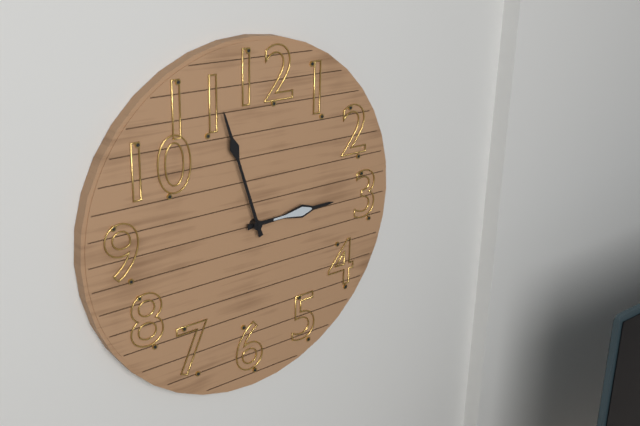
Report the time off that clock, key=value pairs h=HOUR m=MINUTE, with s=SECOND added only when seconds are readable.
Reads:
h=2 m=57
